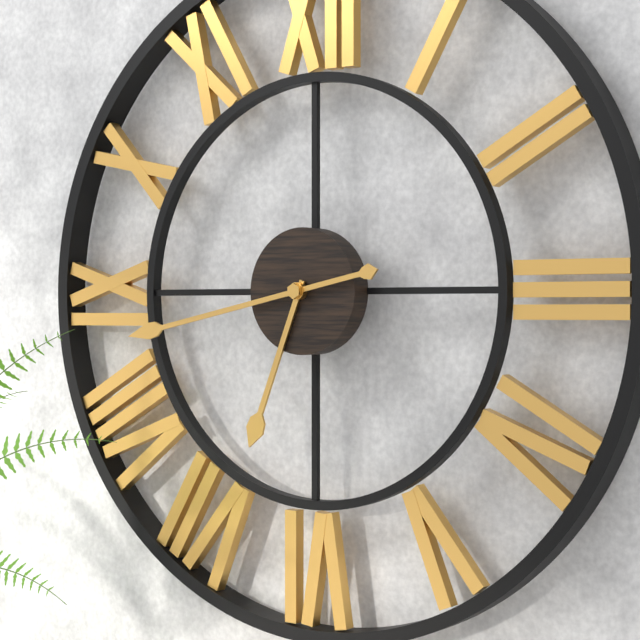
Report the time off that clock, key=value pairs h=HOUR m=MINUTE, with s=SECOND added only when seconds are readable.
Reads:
h=6 m=43
